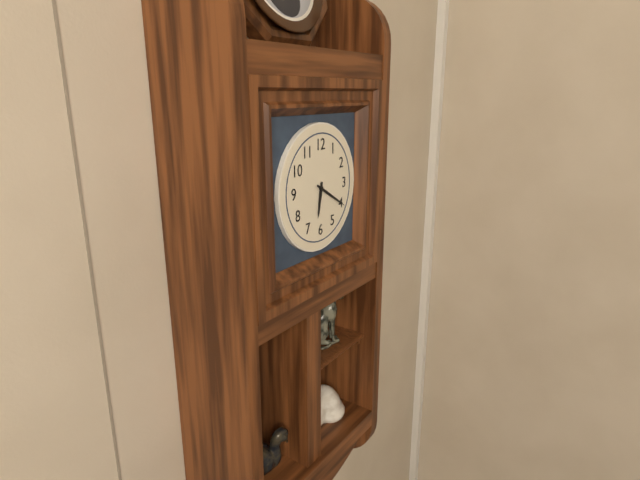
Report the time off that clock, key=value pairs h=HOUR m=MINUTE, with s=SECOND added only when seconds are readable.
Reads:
h=6 m=20
